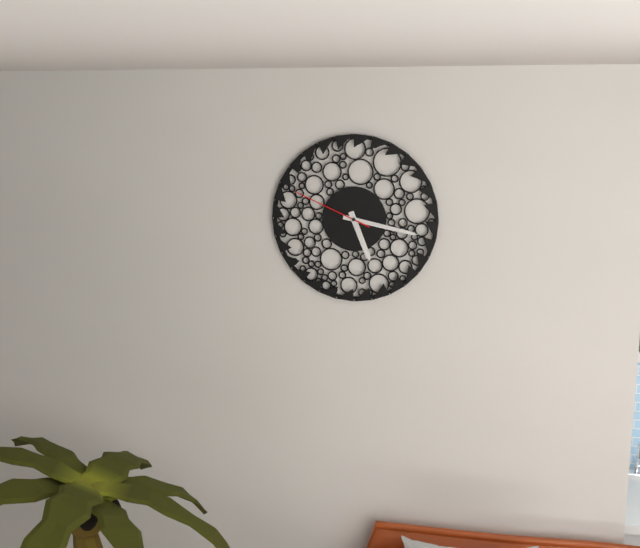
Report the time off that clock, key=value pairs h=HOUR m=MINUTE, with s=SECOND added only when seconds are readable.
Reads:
h=5 m=17 s=49
